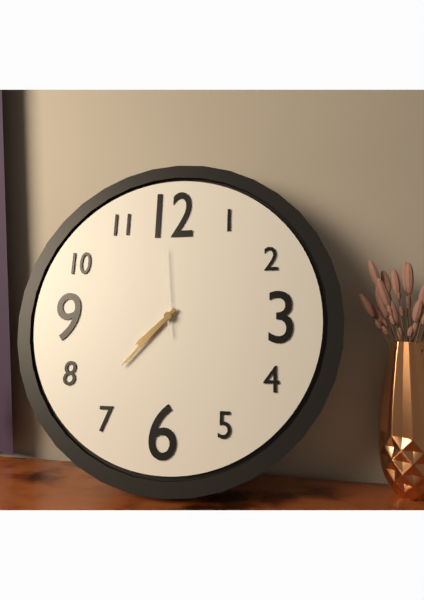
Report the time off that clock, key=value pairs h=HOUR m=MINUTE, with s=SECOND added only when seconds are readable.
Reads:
h=7 m=37 s=59
